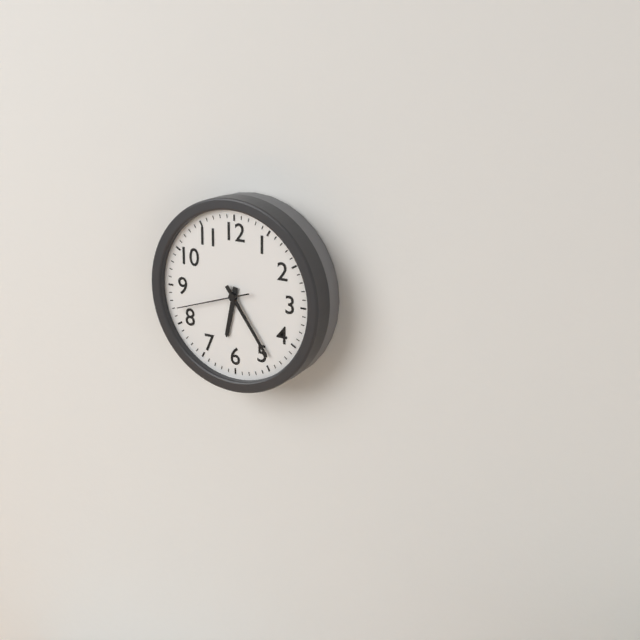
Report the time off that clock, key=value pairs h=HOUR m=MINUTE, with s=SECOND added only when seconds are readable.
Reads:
h=6 m=24 s=42
